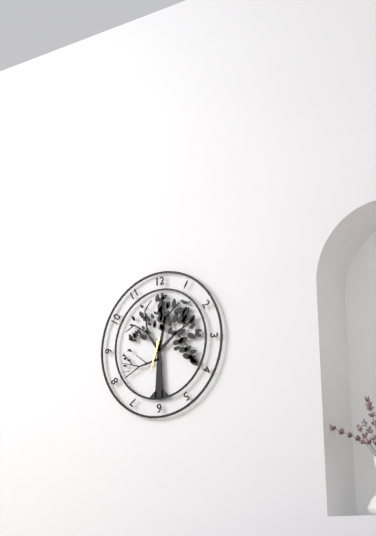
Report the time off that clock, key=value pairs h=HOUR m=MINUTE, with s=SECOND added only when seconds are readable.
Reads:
h=6 m=33
